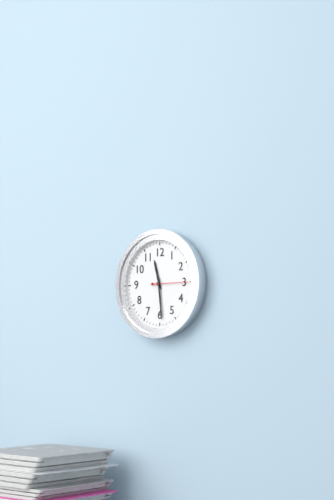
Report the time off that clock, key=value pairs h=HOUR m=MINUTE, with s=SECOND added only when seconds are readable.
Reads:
h=11 m=29
